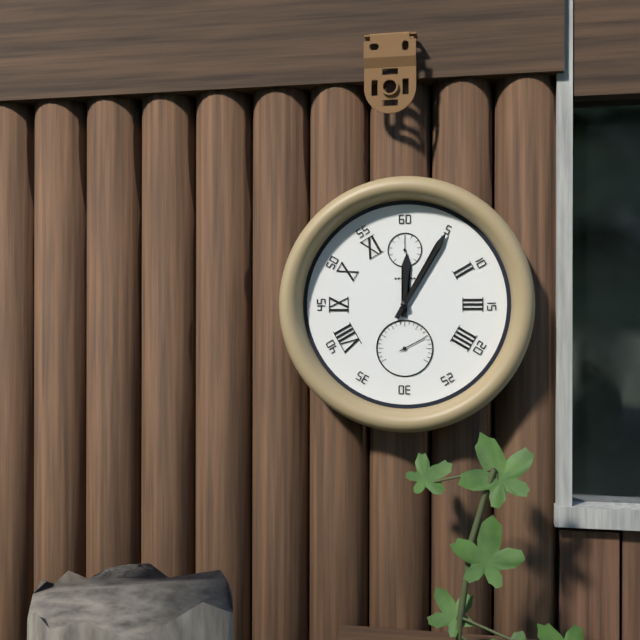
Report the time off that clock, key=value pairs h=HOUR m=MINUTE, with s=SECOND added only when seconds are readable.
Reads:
h=12 m=5
